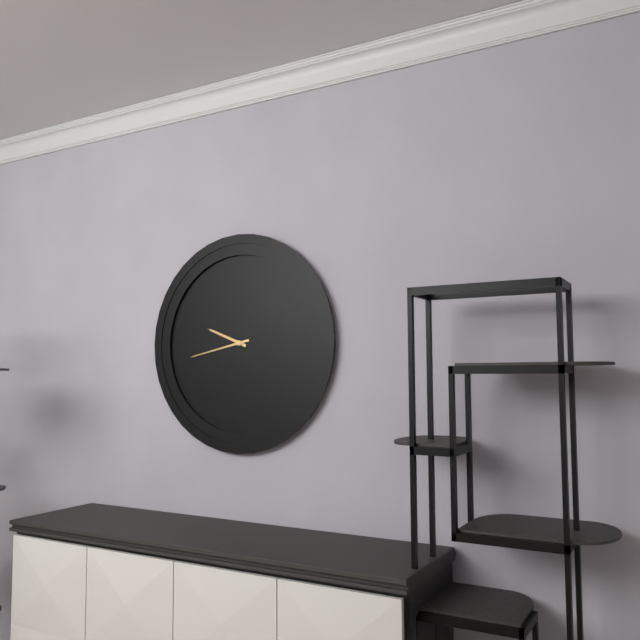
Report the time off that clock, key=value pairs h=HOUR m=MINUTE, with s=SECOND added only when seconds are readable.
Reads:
h=9 m=43
